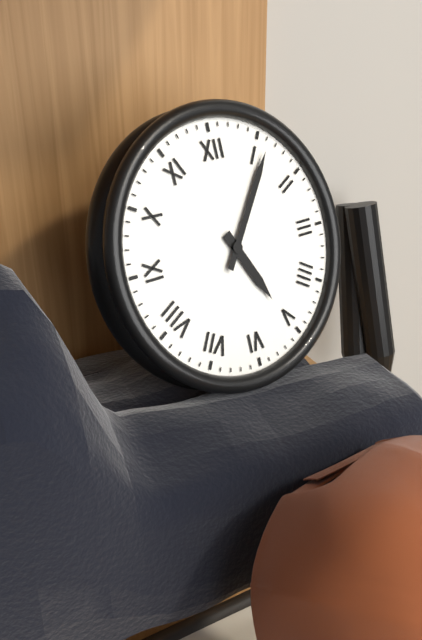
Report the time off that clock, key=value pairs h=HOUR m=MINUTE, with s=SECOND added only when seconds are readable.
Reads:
h=5 m=6
